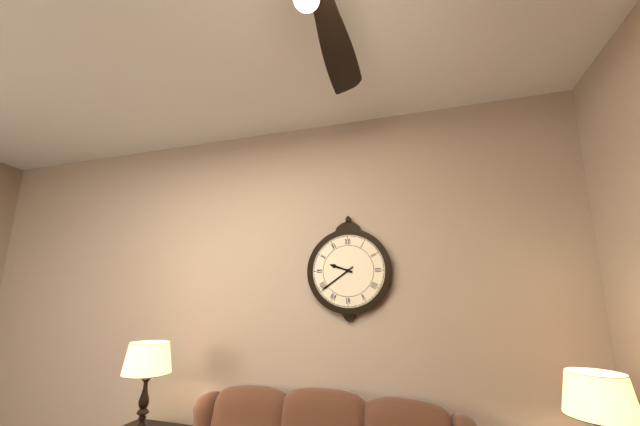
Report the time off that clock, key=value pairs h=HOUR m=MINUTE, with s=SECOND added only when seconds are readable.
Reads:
h=9 m=39
